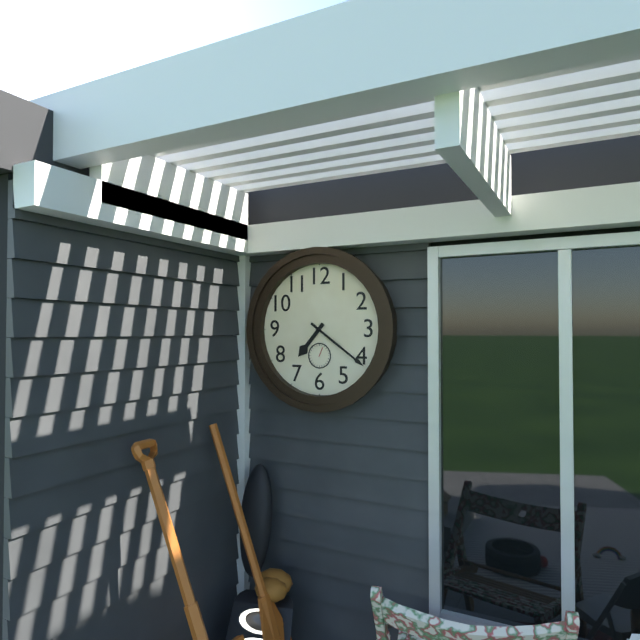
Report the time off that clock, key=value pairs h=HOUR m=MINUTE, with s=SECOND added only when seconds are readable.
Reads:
h=7 m=21
